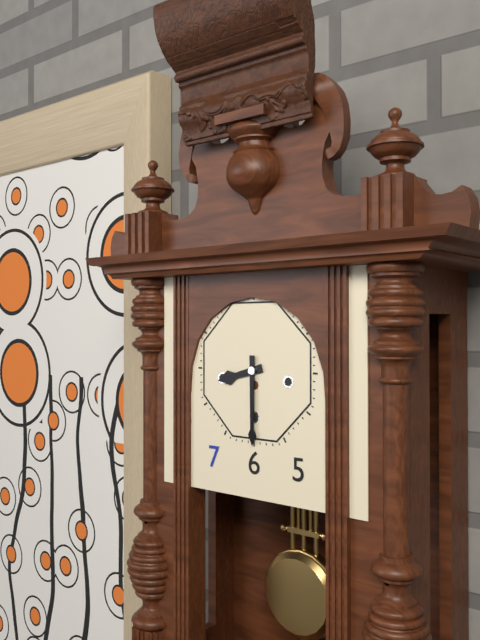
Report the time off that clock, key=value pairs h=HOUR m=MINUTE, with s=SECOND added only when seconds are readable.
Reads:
h=8 m=30
